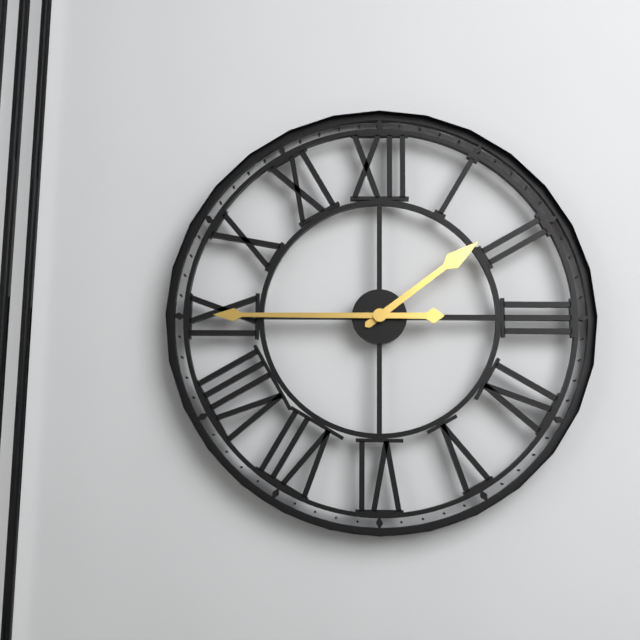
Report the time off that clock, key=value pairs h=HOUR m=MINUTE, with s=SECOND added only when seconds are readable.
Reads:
h=1 m=45
